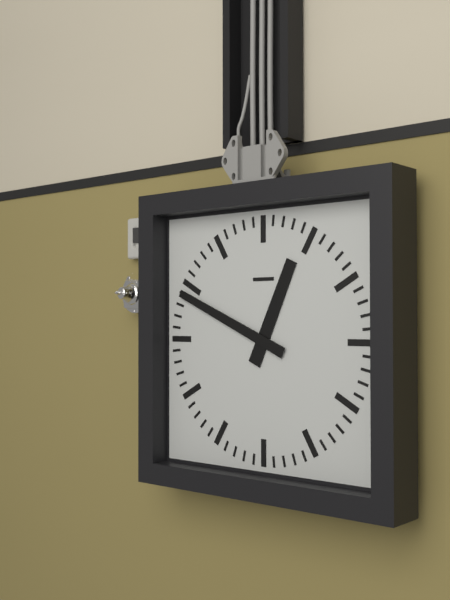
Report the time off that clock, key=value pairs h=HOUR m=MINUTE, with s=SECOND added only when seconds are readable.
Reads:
h=12 m=49
